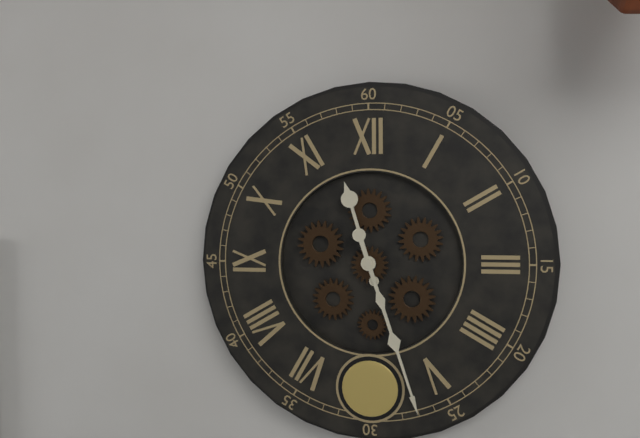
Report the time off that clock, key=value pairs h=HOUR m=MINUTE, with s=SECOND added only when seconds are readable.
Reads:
h=11 m=27
